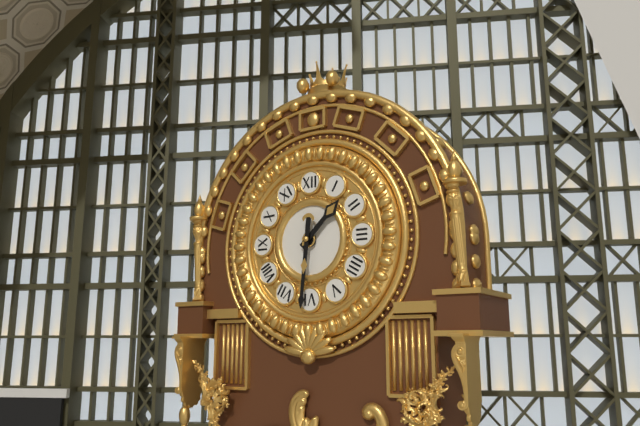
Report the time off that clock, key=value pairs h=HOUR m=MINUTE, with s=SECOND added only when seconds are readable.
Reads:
h=1 m=31
